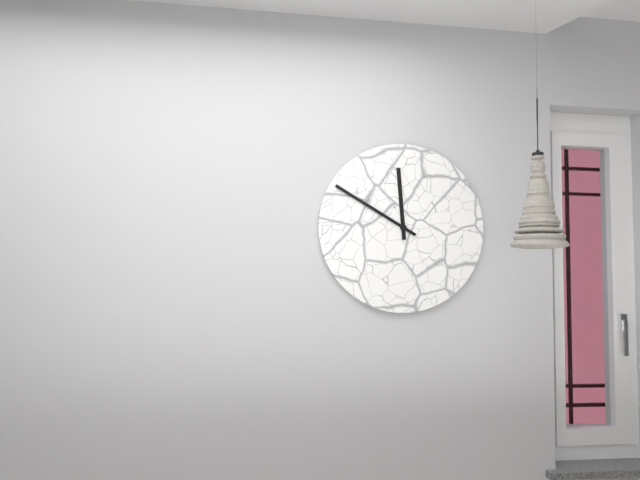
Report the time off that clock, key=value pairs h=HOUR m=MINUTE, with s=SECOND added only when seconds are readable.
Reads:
h=11 m=50
